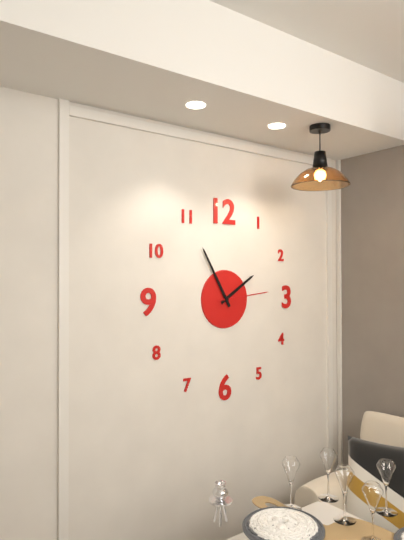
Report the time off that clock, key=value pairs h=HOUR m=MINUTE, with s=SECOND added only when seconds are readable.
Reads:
h=1 m=55 s=14
